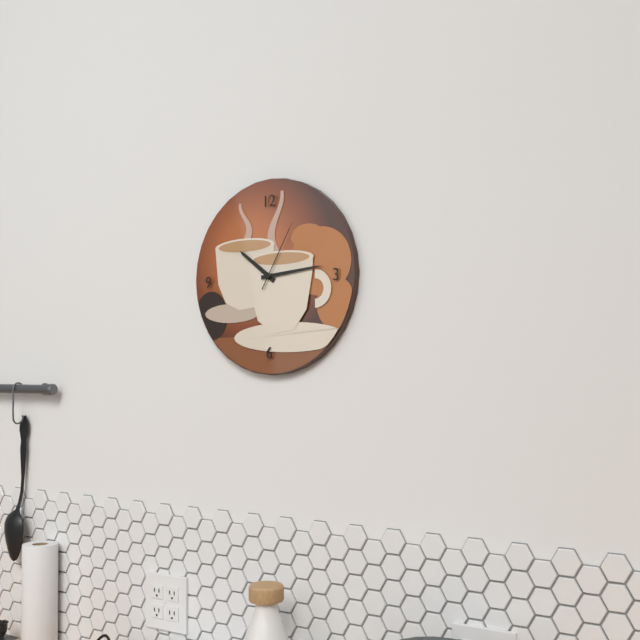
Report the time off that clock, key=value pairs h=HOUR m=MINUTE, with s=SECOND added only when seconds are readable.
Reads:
h=10 m=14 s=5
